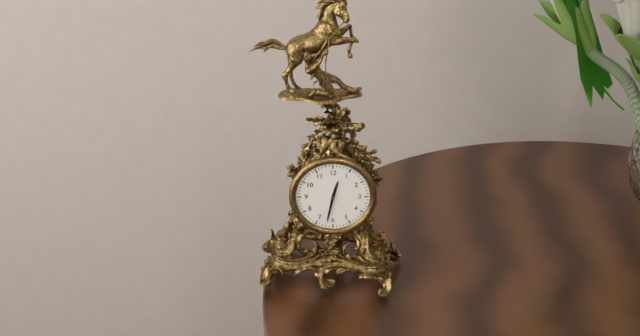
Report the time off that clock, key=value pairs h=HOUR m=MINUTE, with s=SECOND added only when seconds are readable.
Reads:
h=12 m=32
